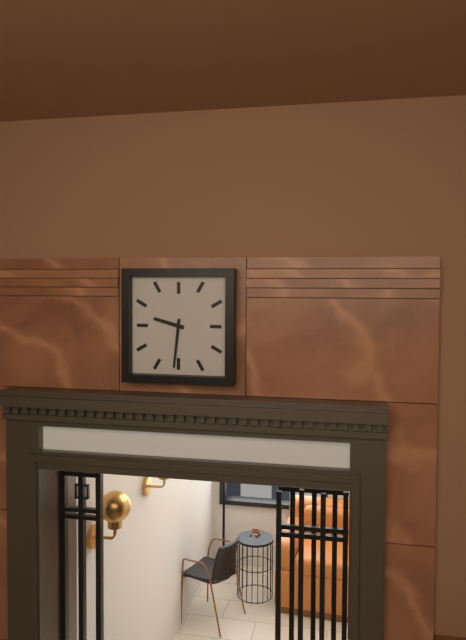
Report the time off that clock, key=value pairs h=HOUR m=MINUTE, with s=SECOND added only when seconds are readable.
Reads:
h=9 m=31
